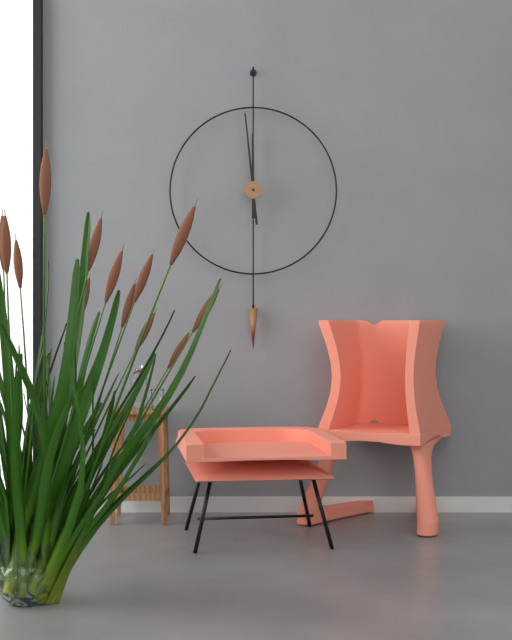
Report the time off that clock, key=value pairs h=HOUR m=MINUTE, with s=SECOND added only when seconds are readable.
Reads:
h=11 m=59
